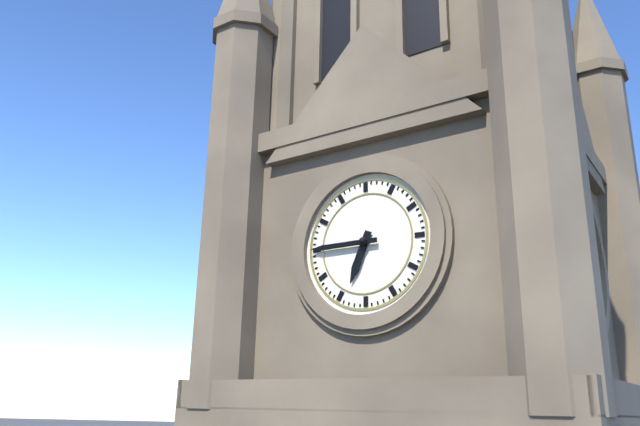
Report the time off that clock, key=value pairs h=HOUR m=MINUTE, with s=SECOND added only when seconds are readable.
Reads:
h=6 m=45
